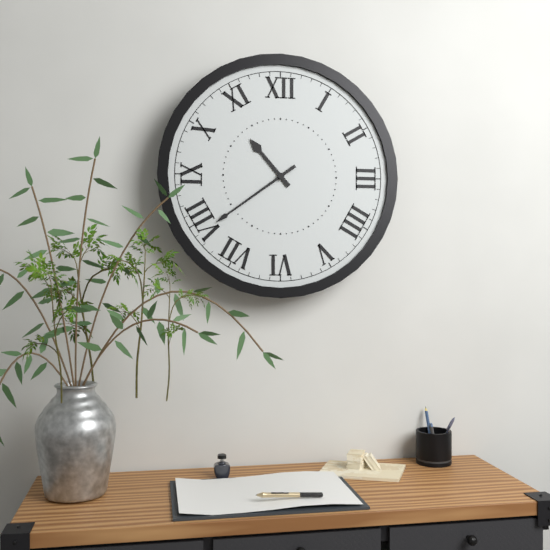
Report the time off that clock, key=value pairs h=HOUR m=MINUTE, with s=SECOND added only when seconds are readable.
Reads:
h=10 m=39
